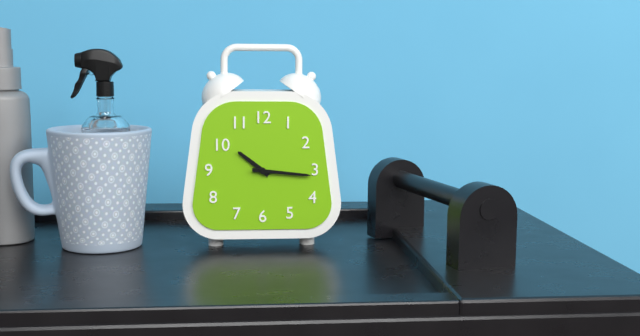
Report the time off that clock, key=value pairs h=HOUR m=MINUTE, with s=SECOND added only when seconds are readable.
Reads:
h=10 m=16
